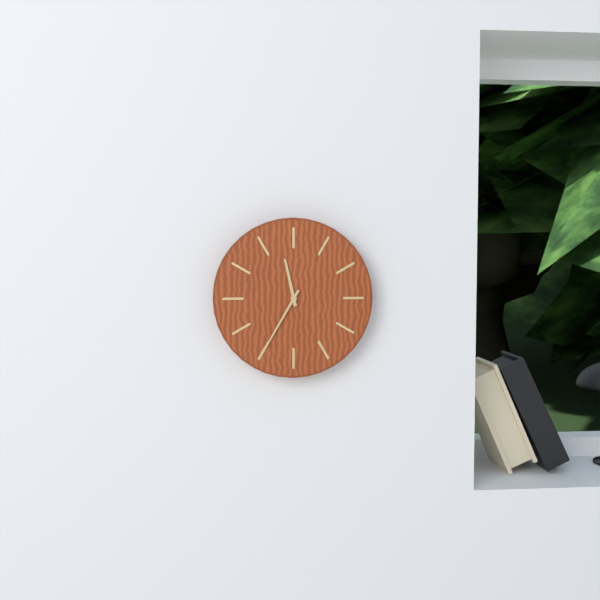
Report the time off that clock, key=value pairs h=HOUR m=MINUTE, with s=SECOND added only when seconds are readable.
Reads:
h=11 m=35
